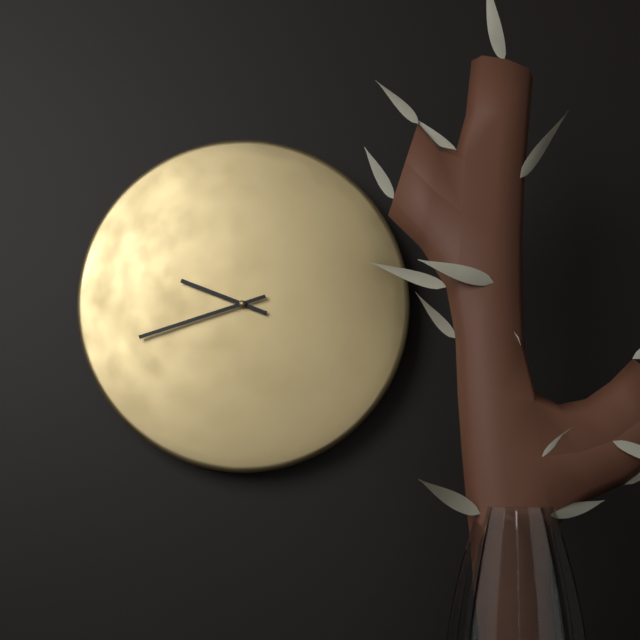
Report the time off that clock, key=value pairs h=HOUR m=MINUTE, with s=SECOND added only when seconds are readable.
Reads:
h=9 m=42
